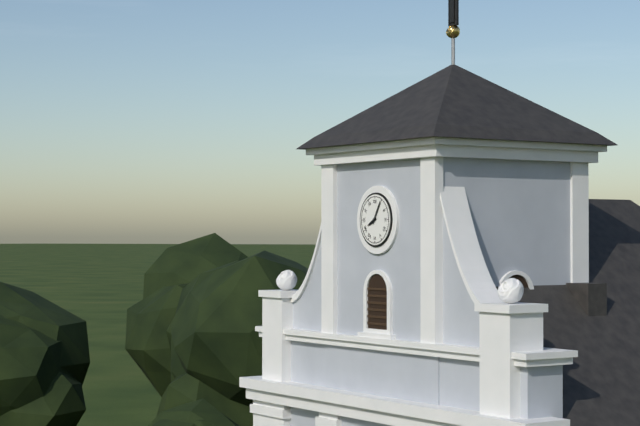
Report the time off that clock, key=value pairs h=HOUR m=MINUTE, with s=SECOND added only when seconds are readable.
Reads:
h=8 m=5
